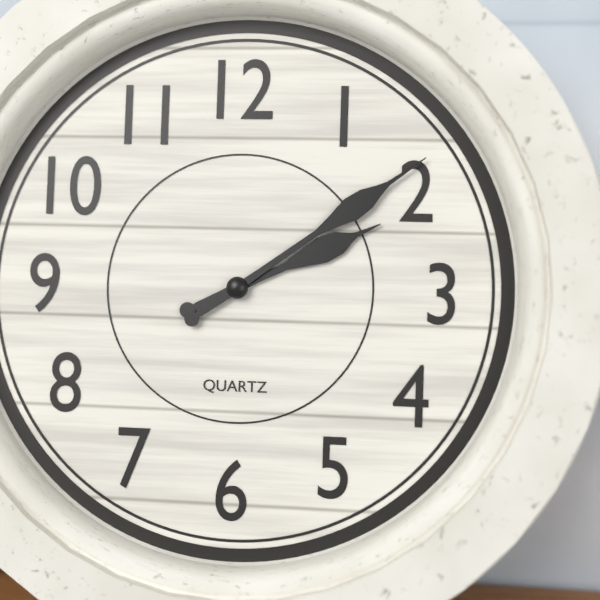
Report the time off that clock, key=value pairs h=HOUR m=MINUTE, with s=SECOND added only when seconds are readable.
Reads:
h=2 m=9
